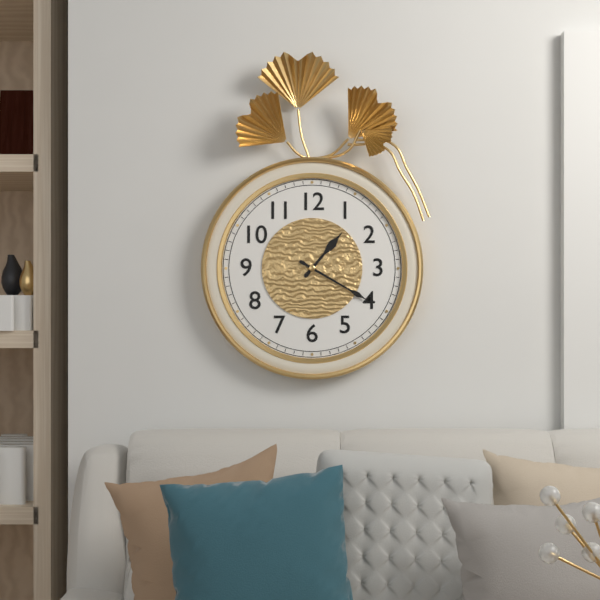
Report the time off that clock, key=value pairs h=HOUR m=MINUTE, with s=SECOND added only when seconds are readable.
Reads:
h=1 m=20
